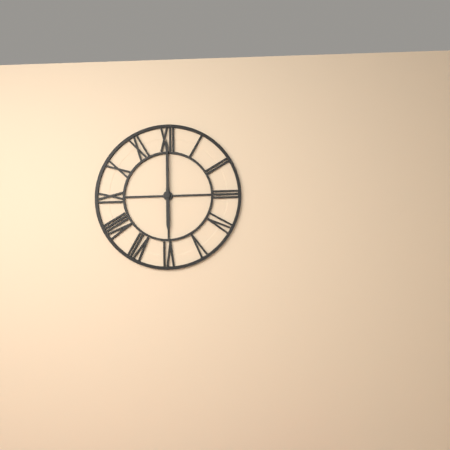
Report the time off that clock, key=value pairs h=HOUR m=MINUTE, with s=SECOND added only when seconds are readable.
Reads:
h=6 m=0
